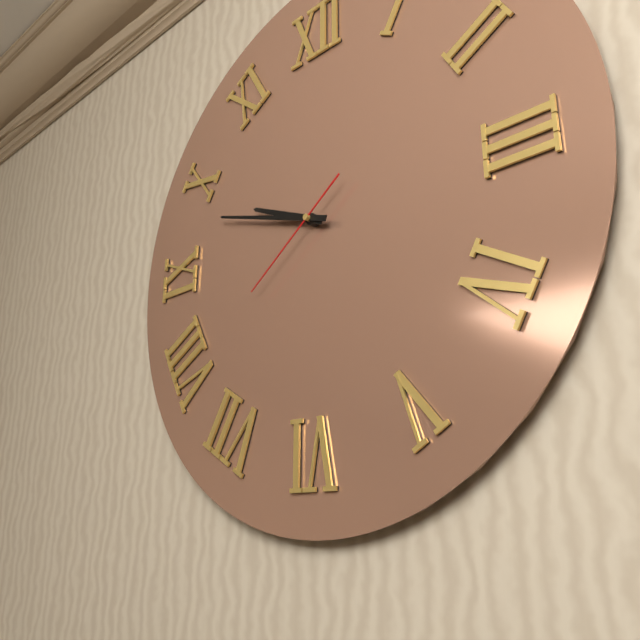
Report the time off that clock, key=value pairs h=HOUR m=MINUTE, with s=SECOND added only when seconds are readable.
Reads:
h=9 m=48 s=39
